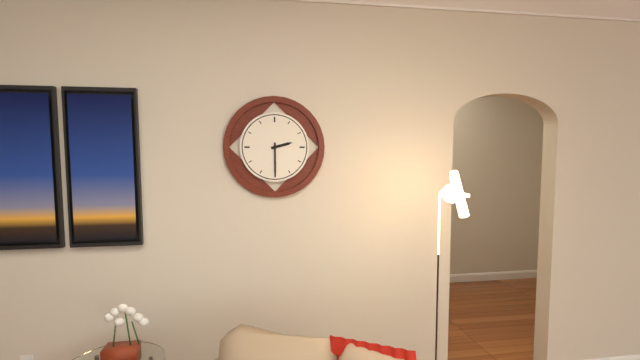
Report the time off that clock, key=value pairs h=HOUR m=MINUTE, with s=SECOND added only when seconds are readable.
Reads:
h=2 m=30
